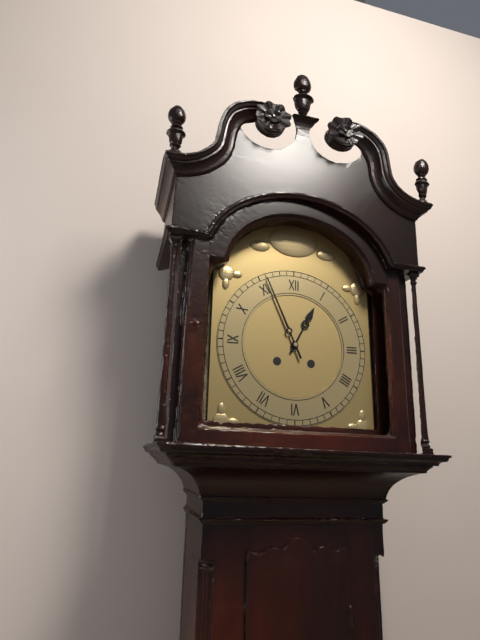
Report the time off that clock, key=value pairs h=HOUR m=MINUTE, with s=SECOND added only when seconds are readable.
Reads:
h=12 m=56
